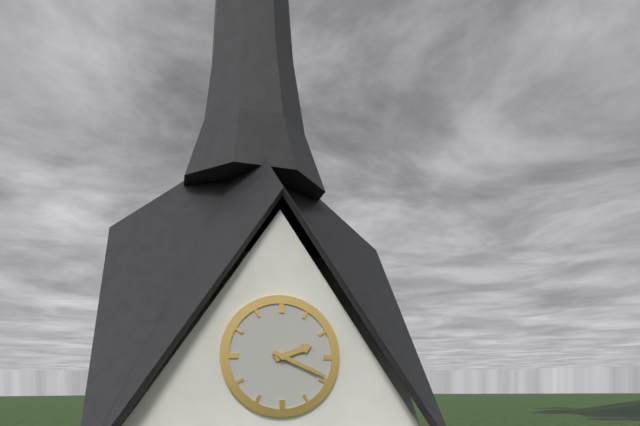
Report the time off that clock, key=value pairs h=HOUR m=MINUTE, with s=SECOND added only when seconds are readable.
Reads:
h=2 m=19
